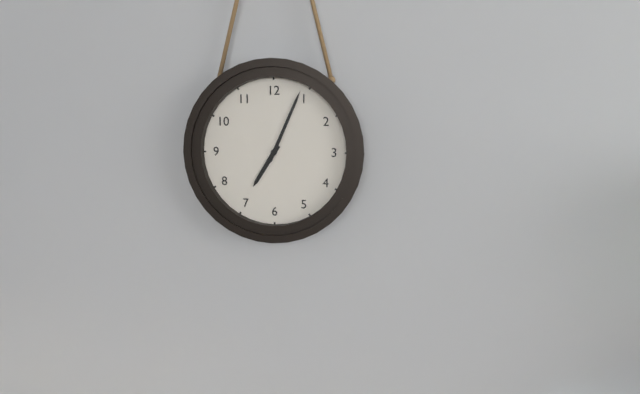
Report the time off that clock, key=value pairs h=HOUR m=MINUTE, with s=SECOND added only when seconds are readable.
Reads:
h=7 m=4
